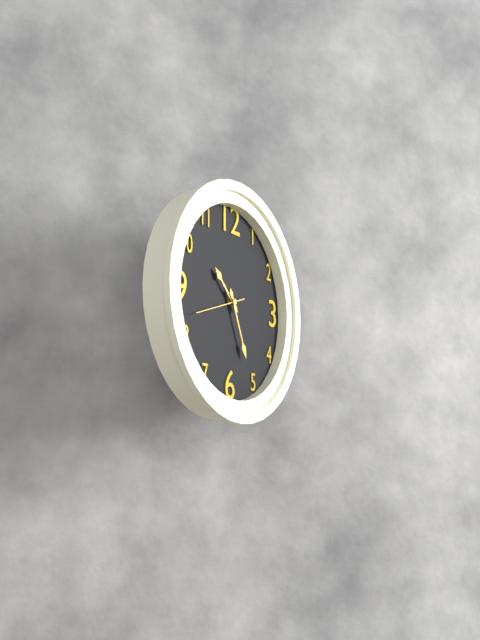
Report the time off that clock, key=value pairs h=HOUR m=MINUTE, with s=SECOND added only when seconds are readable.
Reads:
h=10 m=26
